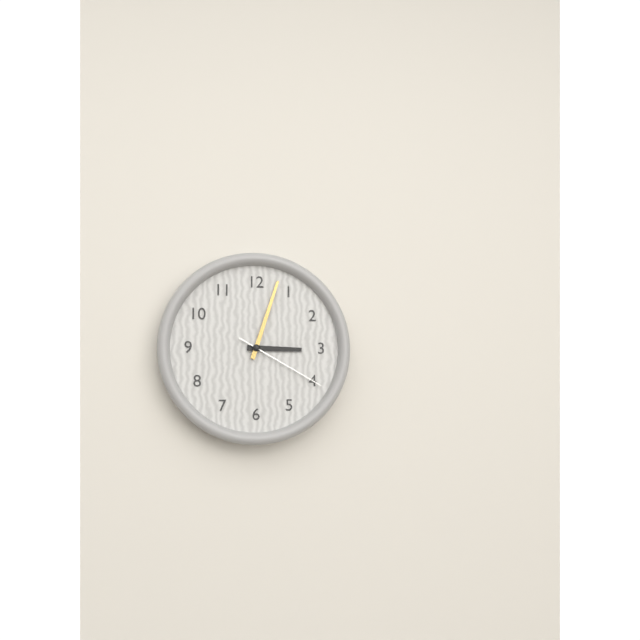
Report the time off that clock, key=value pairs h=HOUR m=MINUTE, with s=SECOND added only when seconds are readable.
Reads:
h=3 m=3 s=20
